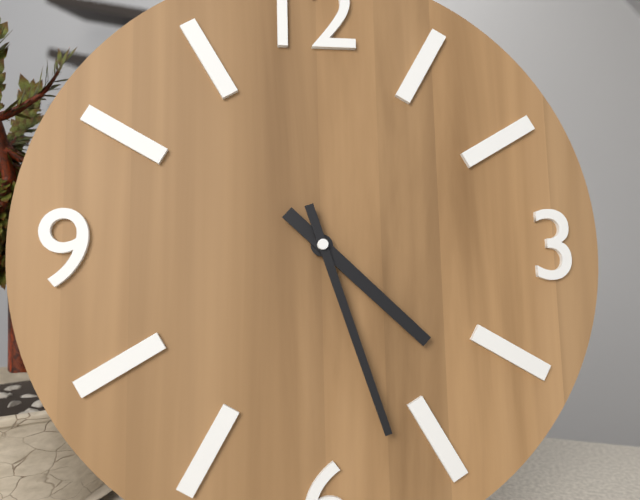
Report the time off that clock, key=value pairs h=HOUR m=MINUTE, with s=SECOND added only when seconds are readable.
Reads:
h=4 m=27
